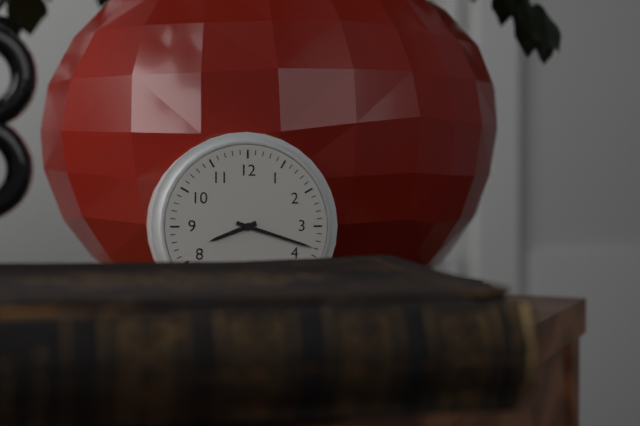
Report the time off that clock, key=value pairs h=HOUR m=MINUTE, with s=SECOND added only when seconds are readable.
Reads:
h=8 m=18
